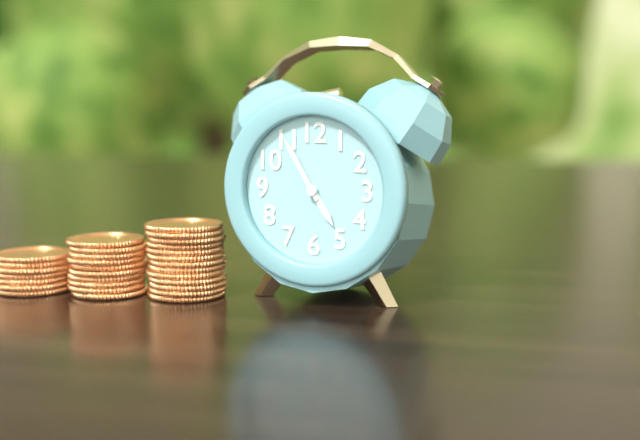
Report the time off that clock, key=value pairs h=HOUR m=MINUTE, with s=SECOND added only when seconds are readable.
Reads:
h=4 m=55
